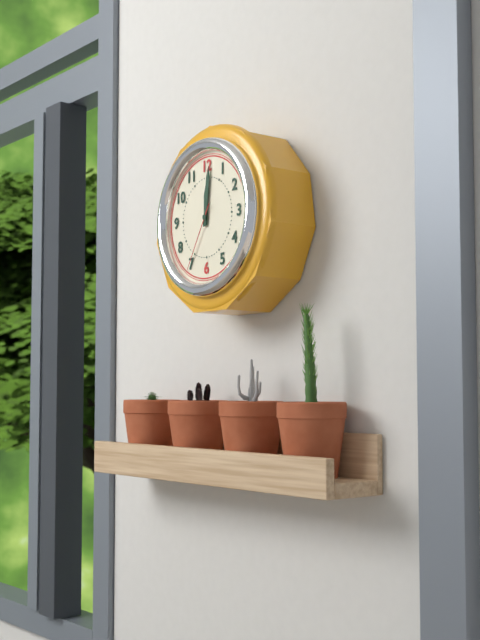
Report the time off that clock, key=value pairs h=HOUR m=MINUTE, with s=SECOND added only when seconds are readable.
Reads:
h=12 m=1 s=35
